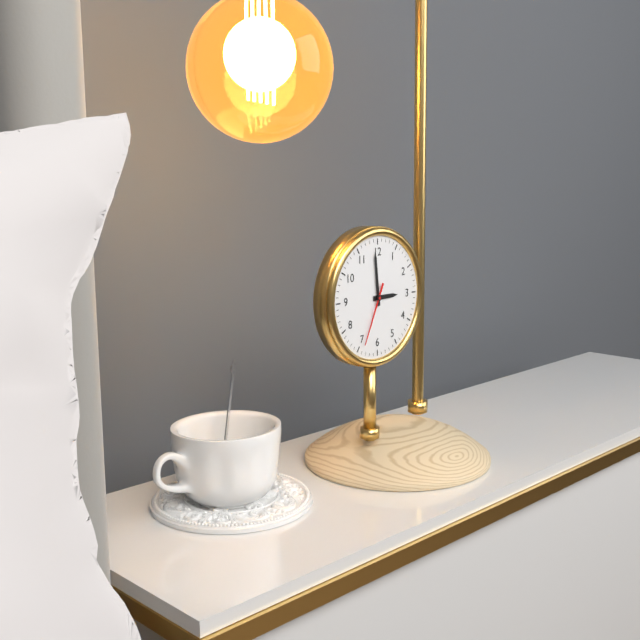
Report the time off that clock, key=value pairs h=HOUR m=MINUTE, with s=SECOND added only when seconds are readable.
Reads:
h=2 m=59 s=34
